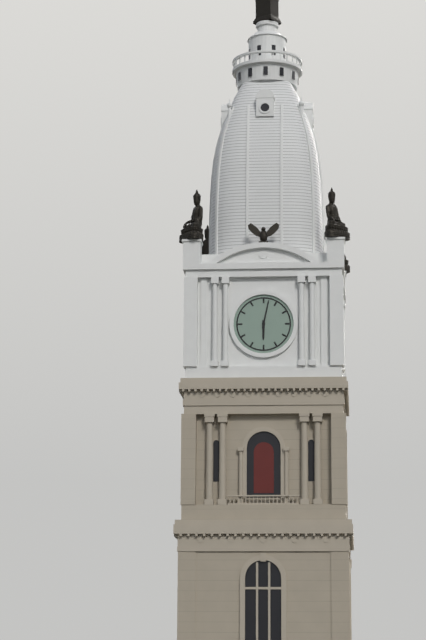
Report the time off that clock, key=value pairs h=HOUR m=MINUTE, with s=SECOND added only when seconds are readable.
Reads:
h=6 m=2
